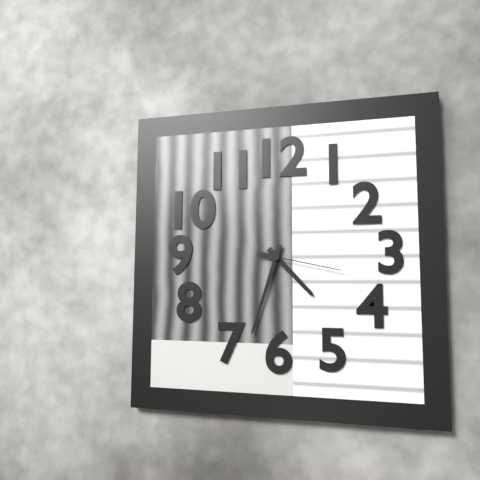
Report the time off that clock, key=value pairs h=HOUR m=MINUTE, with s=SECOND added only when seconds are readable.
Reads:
h=4 m=33 s=17
